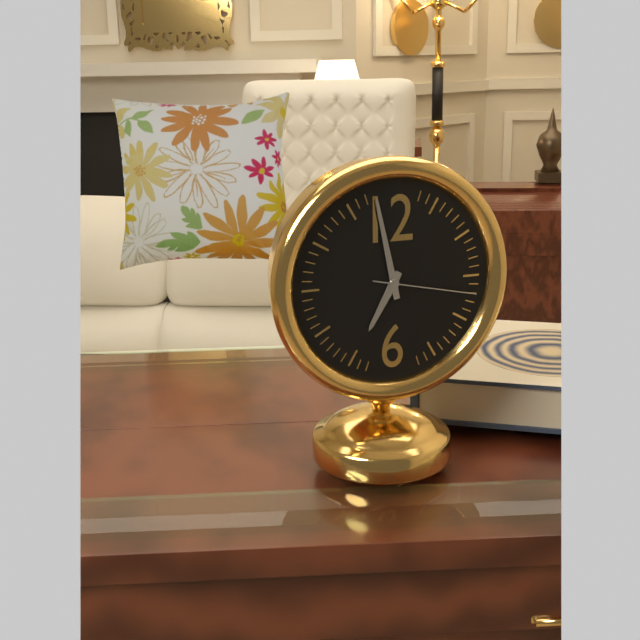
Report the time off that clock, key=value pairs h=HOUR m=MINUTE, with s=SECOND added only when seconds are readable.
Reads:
h=6 m=58 s=17
